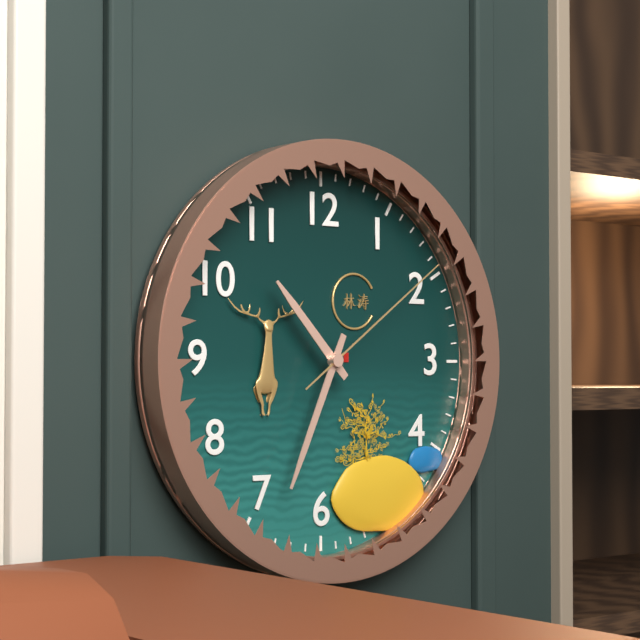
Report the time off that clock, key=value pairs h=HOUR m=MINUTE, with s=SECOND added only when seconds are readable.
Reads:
h=10 m=34 s=9
